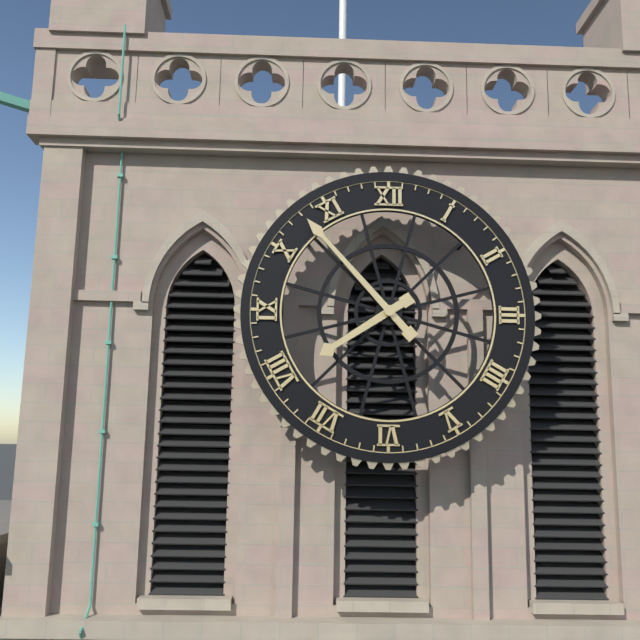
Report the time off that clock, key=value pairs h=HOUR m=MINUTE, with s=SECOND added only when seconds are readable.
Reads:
h=7 m=53
